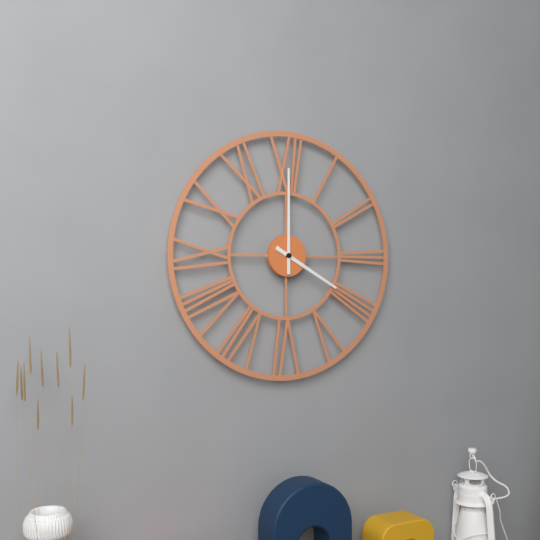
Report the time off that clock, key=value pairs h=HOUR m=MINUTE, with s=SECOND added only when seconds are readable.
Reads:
h=4 m=0
